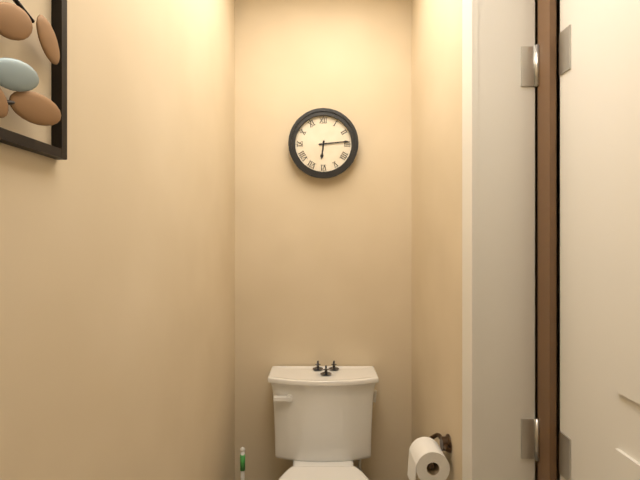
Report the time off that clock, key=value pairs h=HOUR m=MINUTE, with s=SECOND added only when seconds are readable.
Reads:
h=6 m=14
